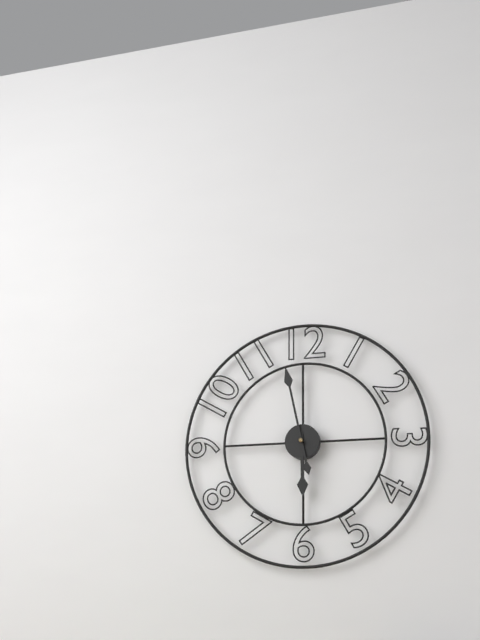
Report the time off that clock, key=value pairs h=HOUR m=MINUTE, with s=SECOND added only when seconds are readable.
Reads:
h=5 m=58
